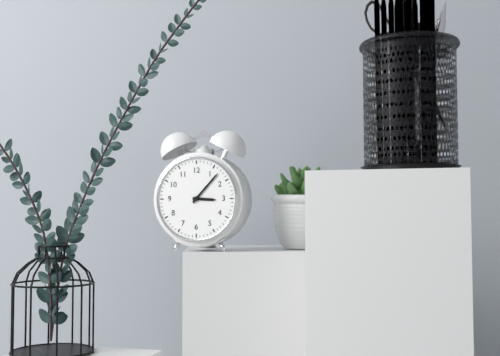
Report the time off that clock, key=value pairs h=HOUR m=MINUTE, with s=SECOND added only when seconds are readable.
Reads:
h=3 m=7
